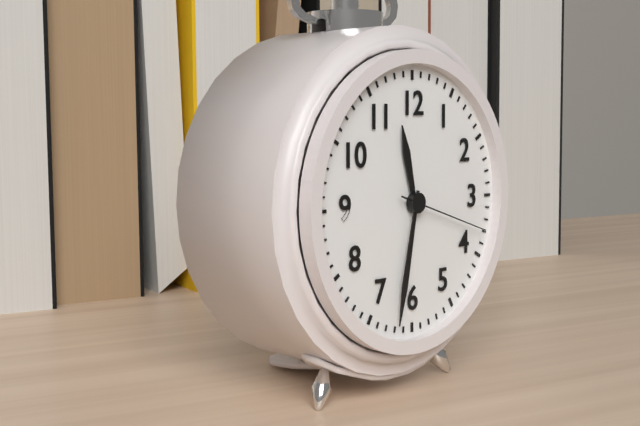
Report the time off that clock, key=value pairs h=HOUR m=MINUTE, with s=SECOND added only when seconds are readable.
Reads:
h=11 m=32 s=18
